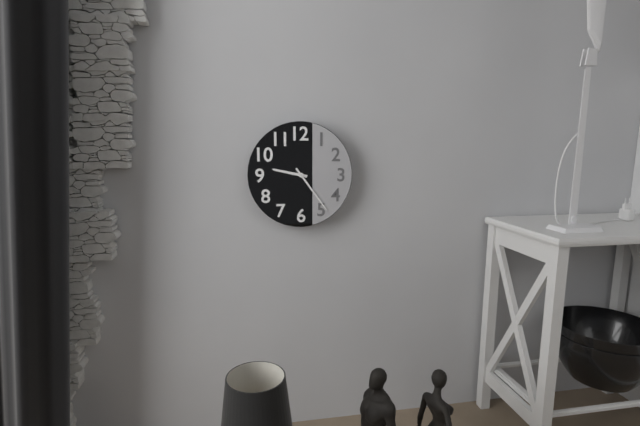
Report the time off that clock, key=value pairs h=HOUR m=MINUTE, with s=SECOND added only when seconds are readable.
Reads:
h=9 m=24
